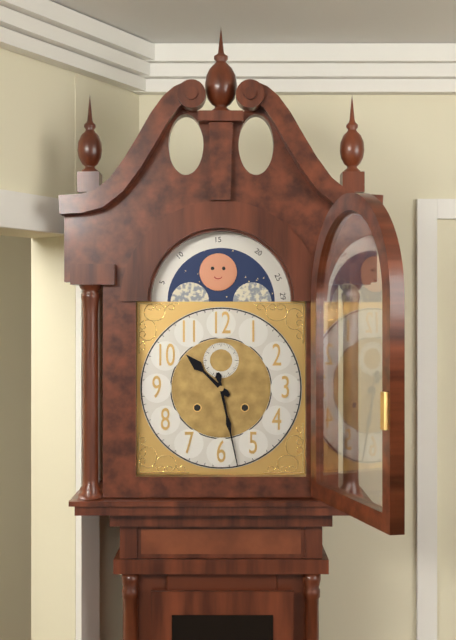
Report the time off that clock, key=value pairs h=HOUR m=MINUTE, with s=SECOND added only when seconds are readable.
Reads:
h=10 m=28
